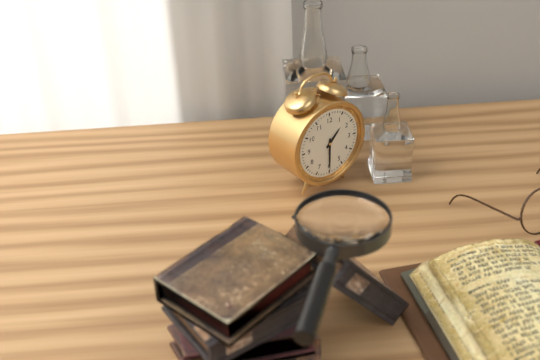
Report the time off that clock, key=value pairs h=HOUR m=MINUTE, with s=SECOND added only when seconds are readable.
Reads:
h=1 m=30
